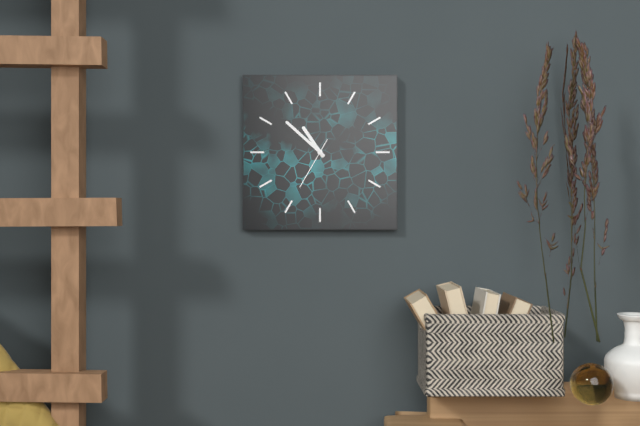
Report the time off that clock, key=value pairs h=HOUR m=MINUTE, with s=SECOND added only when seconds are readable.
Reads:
h=10 m=52 s=35
